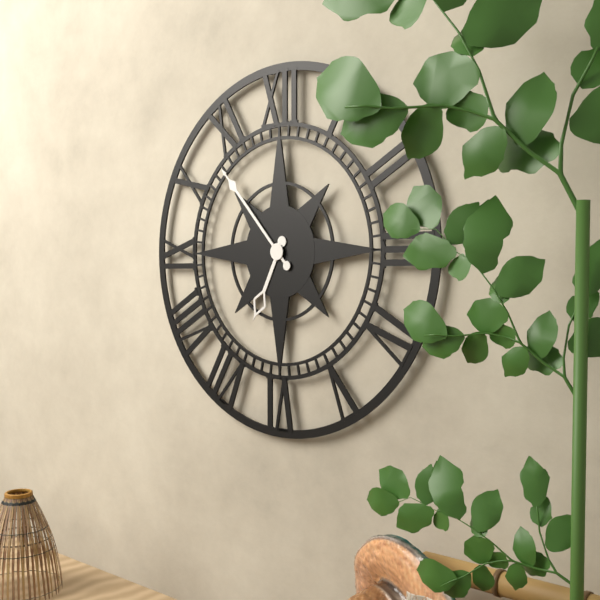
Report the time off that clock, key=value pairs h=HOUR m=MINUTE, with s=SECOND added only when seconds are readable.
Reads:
h=6 m=53
